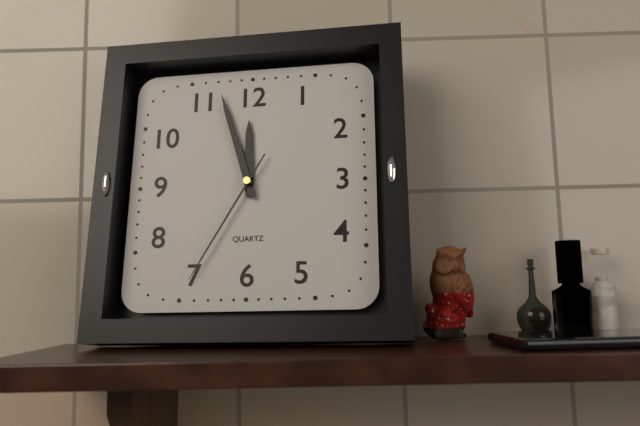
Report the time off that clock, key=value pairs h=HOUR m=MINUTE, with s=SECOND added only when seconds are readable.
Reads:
h=11 m=57 s=35
